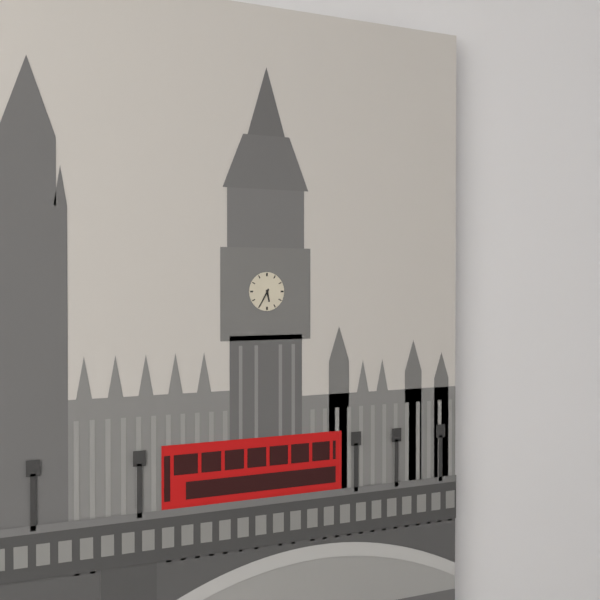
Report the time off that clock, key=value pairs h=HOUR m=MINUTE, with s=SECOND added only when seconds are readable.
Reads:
h=5 m=35
